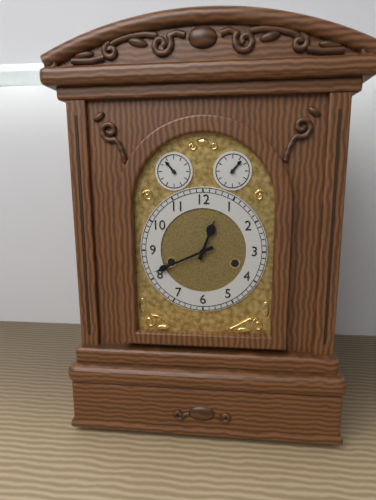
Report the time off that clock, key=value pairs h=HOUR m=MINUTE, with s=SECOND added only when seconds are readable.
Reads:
h=12 m=41
